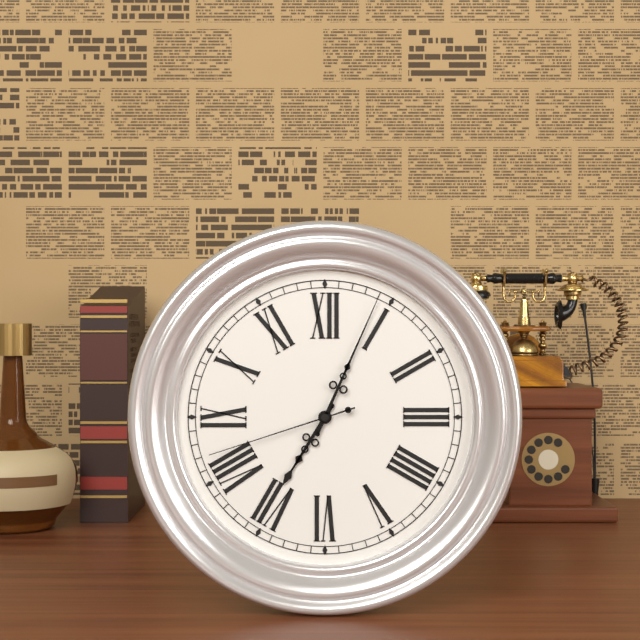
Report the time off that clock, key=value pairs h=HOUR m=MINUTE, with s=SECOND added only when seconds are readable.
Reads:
h=7 m=4 s=42
